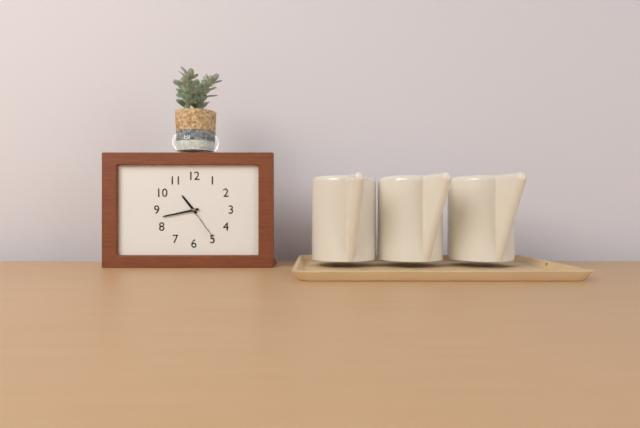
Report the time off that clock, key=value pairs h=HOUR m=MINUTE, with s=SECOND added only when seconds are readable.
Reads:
h=10 m=43
